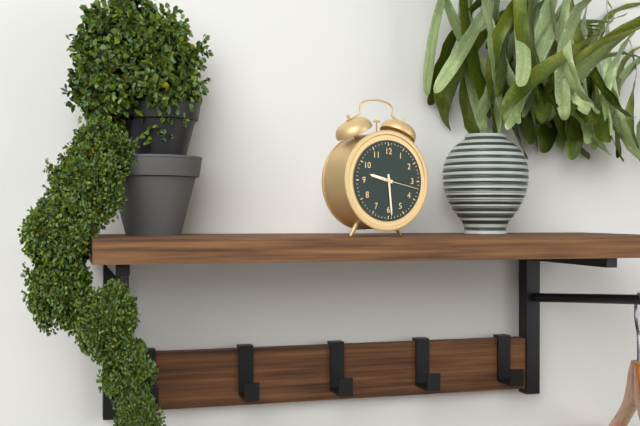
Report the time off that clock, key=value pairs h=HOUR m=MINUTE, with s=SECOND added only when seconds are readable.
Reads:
h=9 m=29
